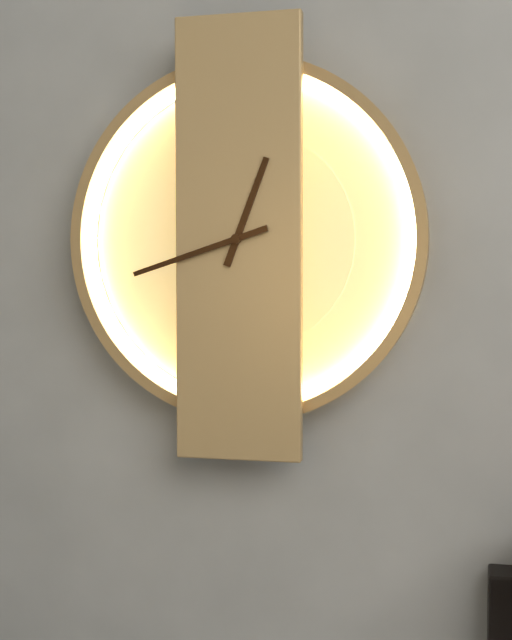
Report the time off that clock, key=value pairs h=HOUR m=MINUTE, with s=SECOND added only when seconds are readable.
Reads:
h=12 m=42
